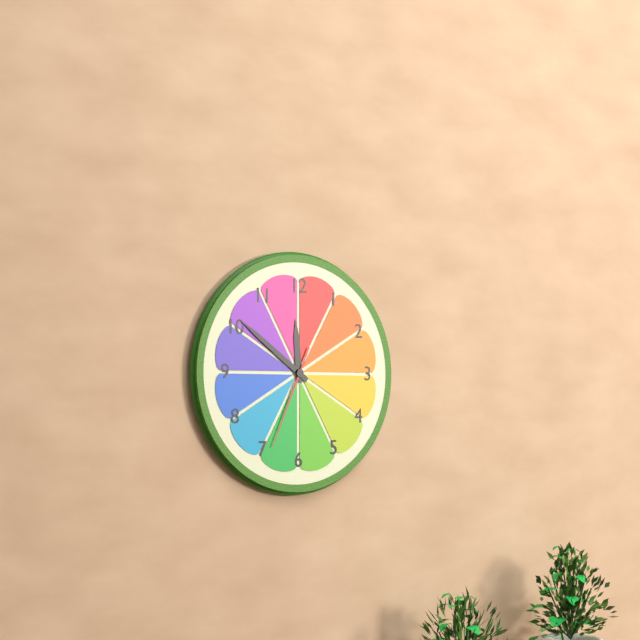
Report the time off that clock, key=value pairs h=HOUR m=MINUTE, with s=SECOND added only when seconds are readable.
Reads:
h=11 m=51 s=34
